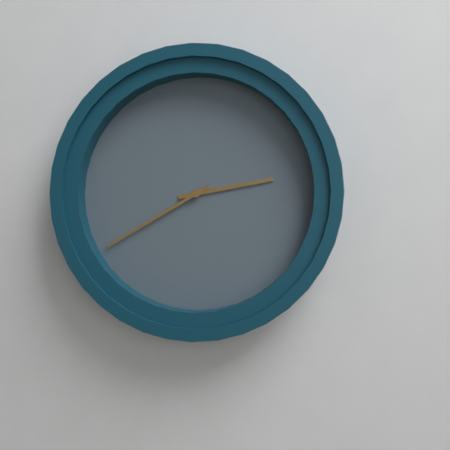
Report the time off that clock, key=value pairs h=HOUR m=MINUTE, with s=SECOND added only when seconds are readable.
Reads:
h=2 m=40
